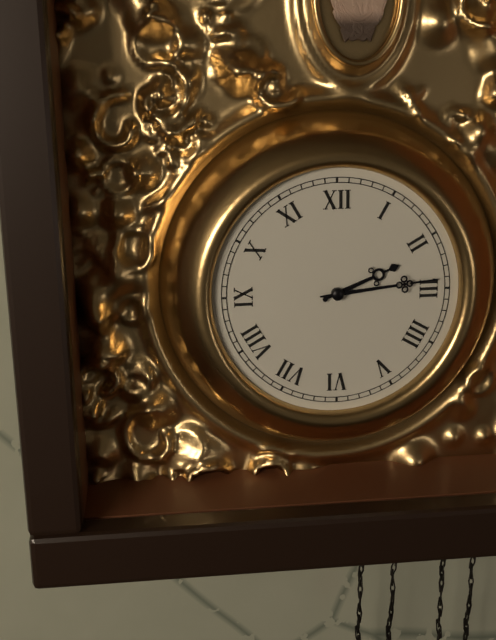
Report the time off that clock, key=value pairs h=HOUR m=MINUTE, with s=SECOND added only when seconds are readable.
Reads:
h=2 m=14
